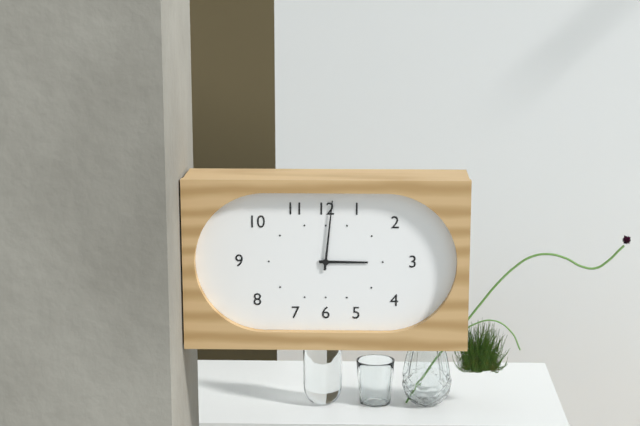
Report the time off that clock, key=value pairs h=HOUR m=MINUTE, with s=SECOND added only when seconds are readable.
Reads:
h=3 m=1
